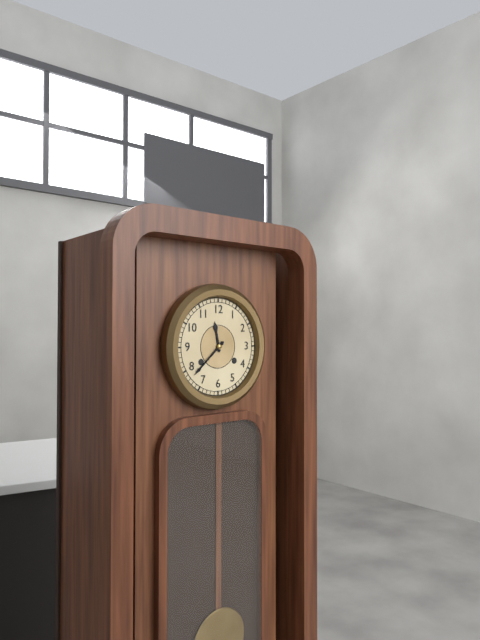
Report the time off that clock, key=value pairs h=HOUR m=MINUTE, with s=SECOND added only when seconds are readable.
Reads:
h=11 m=38
